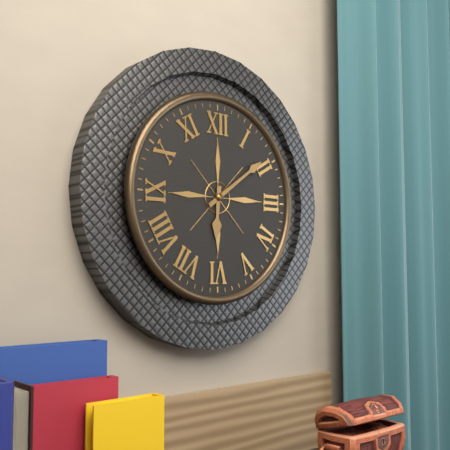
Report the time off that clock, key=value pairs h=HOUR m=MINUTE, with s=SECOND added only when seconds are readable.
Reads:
h=6 m=9
